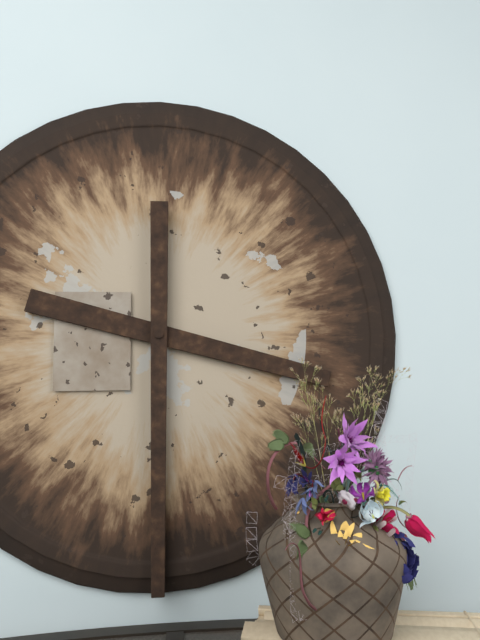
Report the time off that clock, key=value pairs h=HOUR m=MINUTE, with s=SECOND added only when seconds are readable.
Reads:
h=3 m=30
